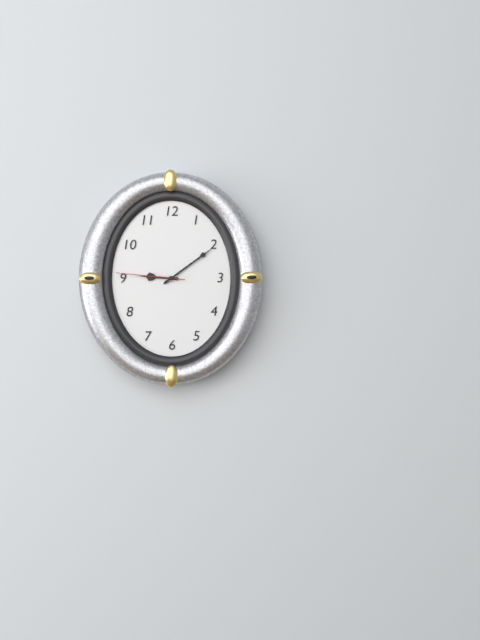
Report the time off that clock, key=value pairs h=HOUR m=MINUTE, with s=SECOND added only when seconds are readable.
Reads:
h=9 m=9 s=46
